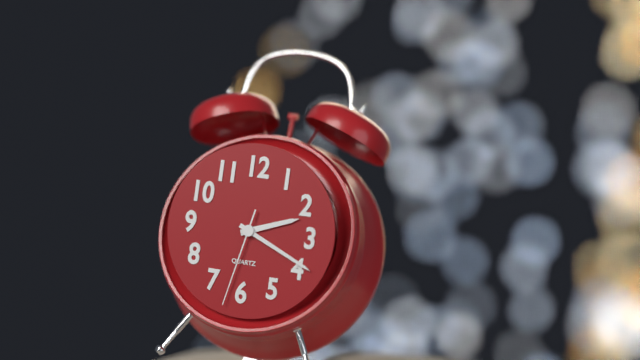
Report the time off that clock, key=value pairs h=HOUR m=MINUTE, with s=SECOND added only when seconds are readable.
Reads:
h=2 m=19 s=32
